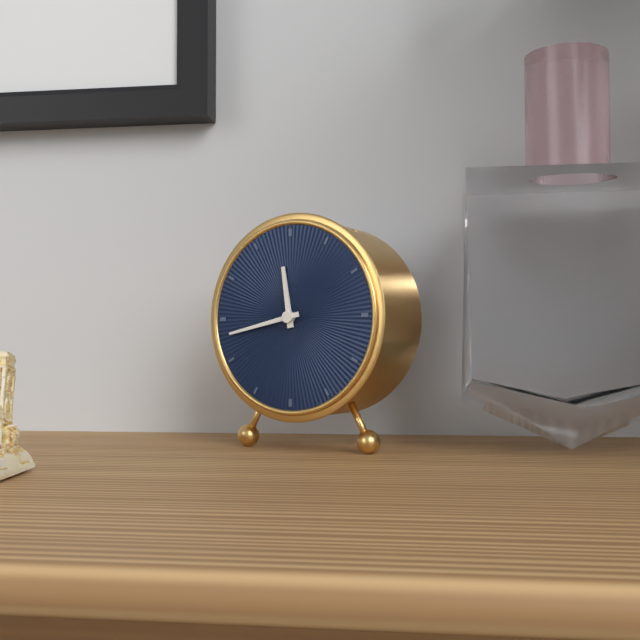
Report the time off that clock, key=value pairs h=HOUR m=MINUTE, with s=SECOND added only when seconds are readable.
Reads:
h=11 m=43
